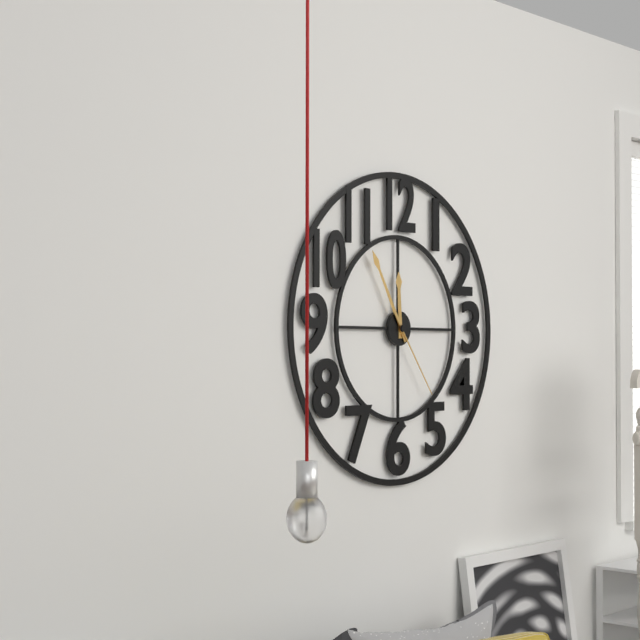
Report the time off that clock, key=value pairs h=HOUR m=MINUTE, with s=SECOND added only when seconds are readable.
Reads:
h=11 m=55 s=24
